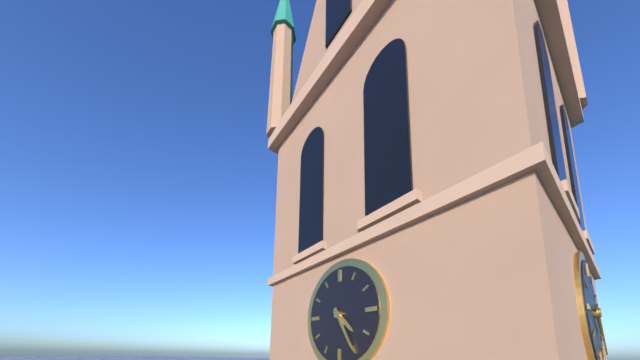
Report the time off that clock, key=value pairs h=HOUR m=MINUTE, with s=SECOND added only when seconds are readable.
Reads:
h=4 m=25
